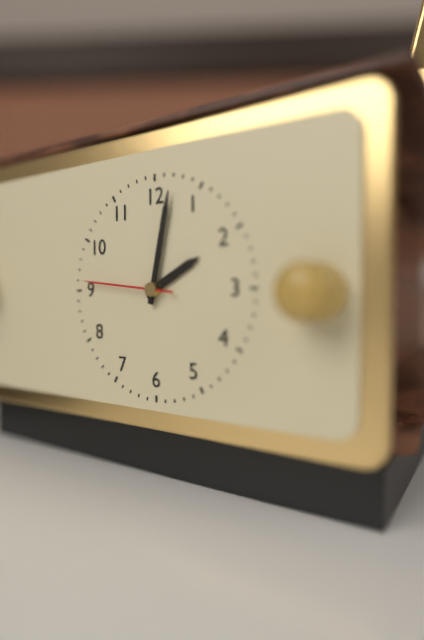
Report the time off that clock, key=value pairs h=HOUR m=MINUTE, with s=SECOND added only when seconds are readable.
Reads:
h=2 m=2 s=46
